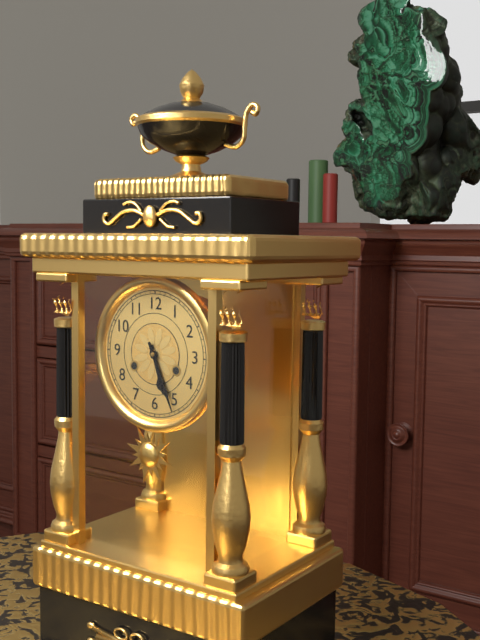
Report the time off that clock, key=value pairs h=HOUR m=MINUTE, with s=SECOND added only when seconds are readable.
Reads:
h=5 m=26
